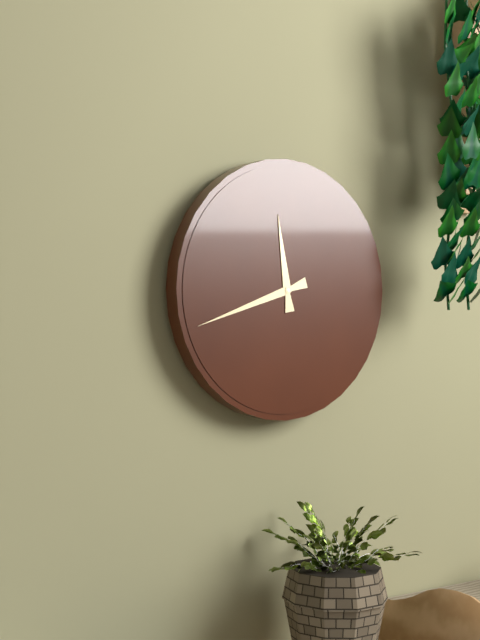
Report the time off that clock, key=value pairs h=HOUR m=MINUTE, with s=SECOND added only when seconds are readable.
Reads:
h=11 m=42
